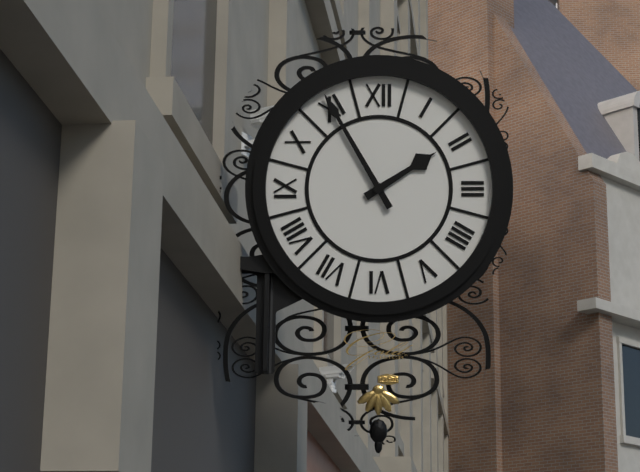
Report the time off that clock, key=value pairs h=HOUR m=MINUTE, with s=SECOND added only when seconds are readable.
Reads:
h=1 m=55
